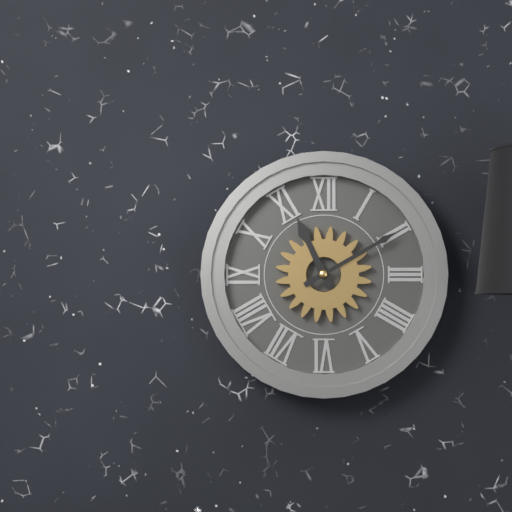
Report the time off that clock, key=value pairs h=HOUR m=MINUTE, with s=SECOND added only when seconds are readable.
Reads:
h=11 m=10
